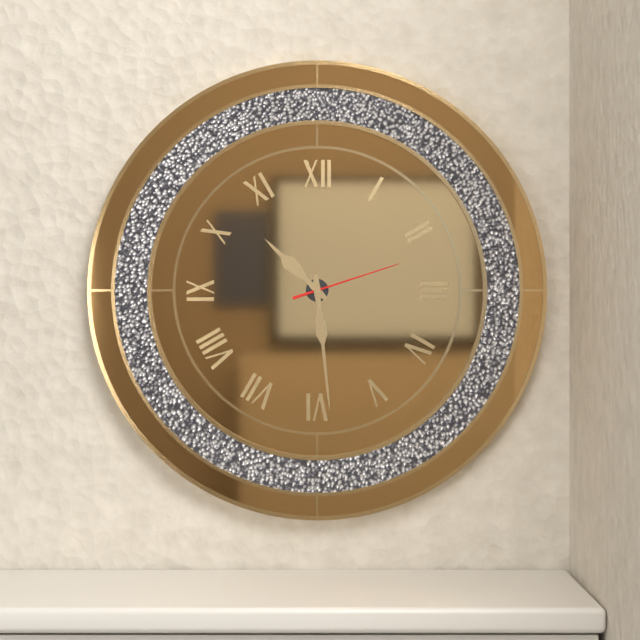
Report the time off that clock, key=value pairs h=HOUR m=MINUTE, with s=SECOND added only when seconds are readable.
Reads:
h=10 m=29 s=12
